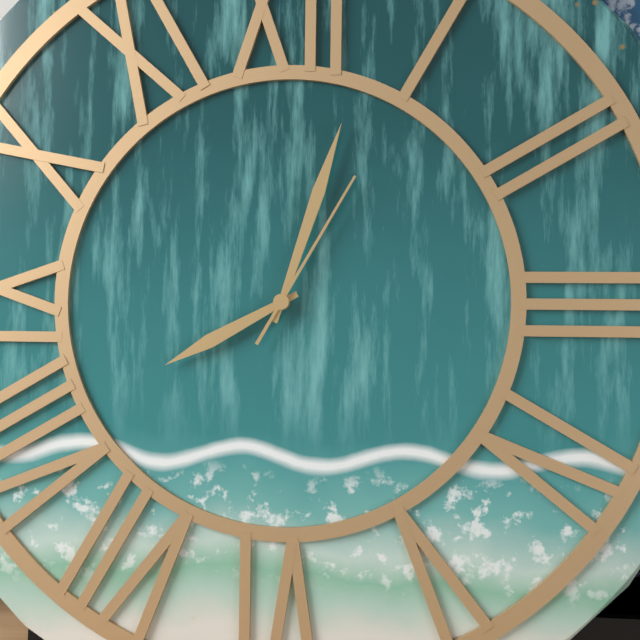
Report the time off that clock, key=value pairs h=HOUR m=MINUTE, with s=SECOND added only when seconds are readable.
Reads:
h=8 m=3 s=5
